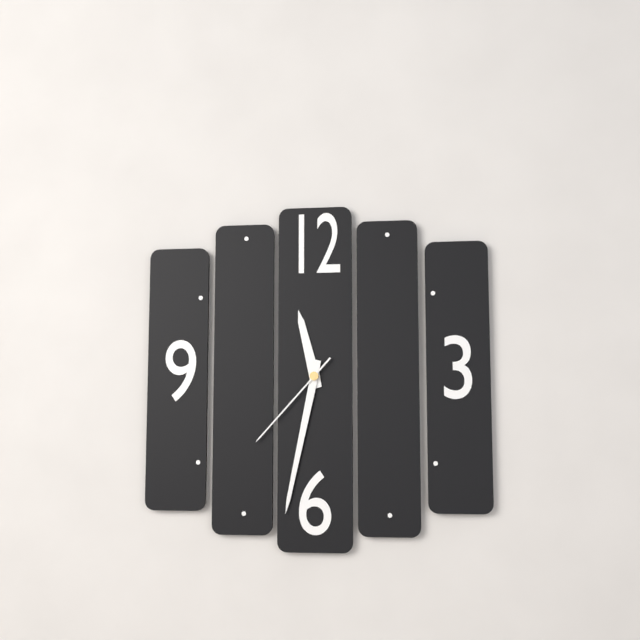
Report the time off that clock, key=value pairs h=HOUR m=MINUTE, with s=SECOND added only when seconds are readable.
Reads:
h=11 m=32 s=37
